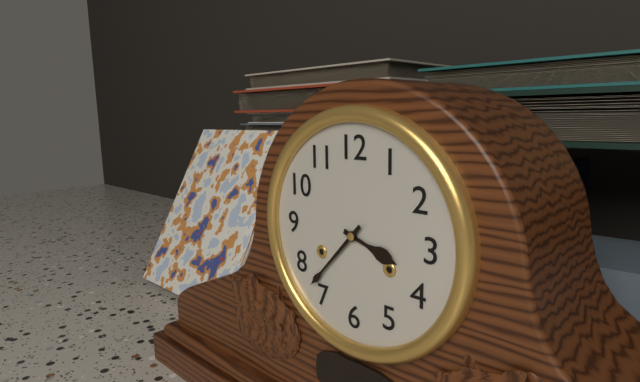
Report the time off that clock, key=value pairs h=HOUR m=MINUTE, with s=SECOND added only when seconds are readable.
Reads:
h=3 m=37
